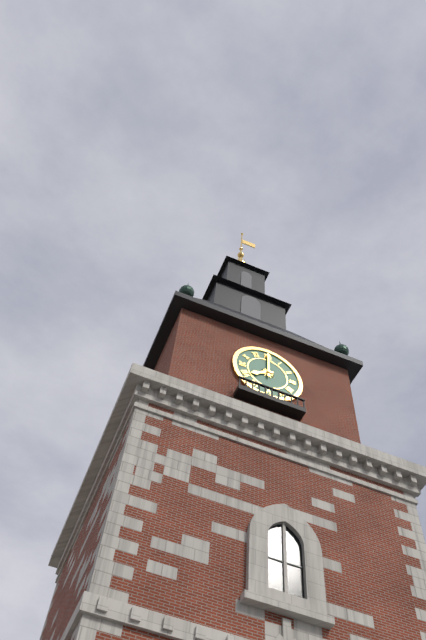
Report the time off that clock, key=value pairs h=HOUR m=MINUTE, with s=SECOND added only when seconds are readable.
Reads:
h=8 m=0
